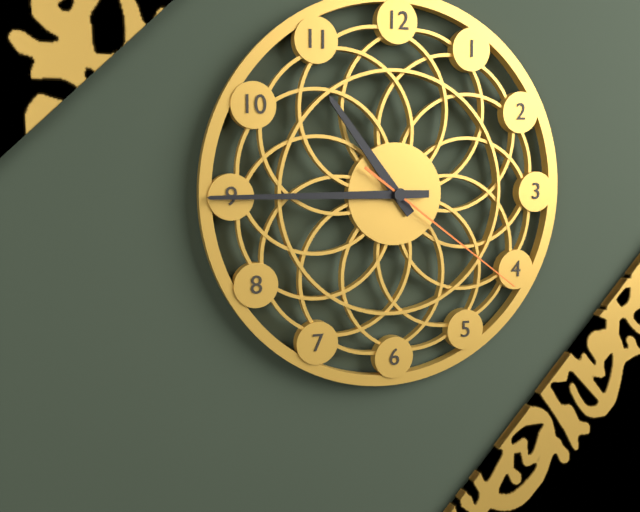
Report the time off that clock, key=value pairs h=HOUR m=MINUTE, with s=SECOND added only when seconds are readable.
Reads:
h=10 m=45 s=21
